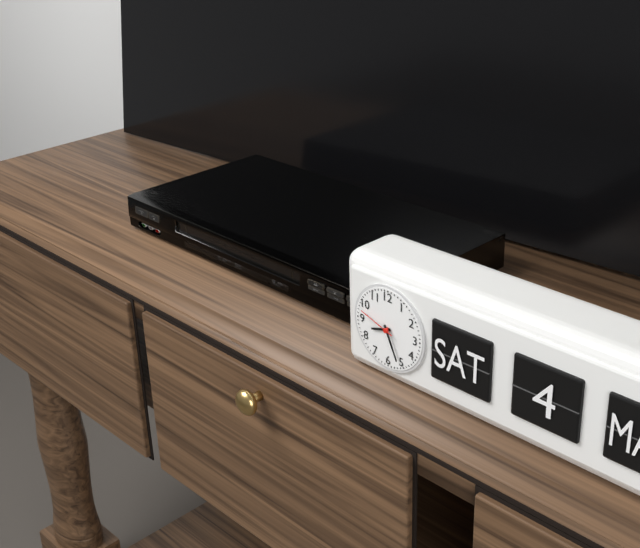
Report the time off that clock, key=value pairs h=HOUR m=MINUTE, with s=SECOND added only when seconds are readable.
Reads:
h=8 m=26
